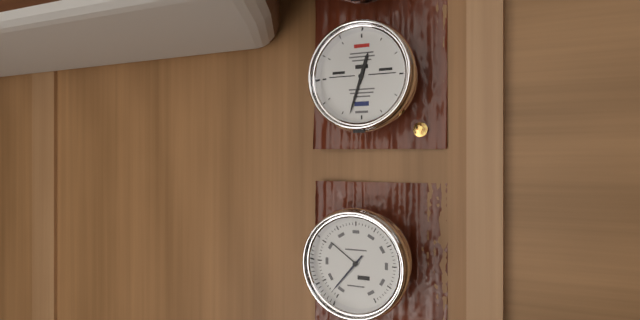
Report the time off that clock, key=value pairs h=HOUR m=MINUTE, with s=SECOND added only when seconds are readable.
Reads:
h=12 m=33
